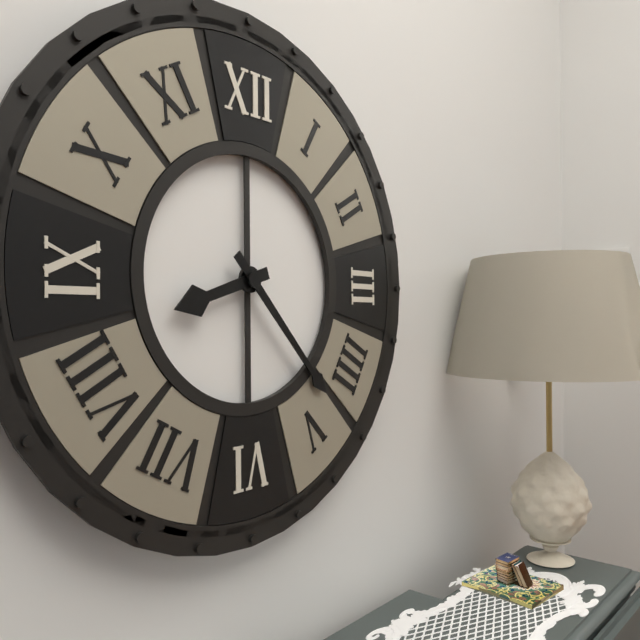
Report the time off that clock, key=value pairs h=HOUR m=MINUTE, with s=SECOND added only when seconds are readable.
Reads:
h=8 m=23
